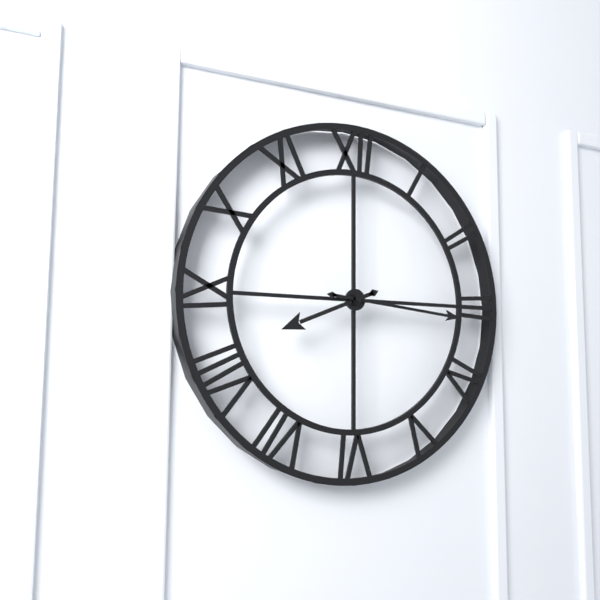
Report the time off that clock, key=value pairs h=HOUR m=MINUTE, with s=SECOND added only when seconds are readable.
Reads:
h=8 m=16
